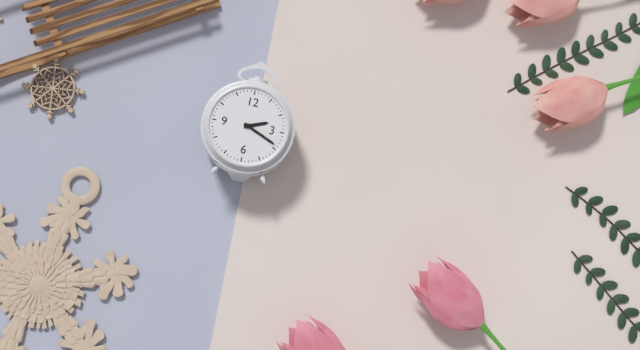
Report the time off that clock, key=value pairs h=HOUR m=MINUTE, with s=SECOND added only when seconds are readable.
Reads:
h=2 m=19
